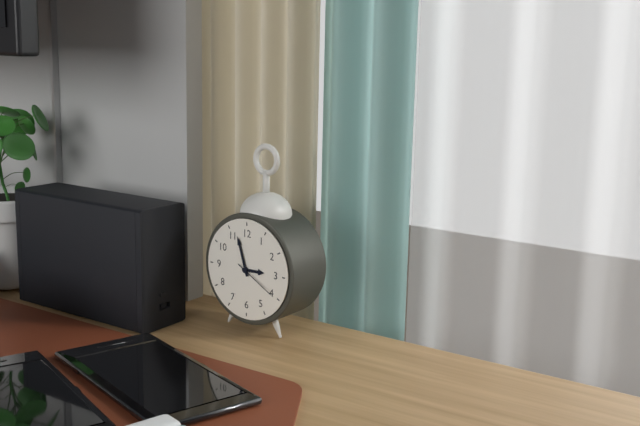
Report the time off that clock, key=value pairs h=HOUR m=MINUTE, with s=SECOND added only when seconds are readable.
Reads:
h=2 m=57
